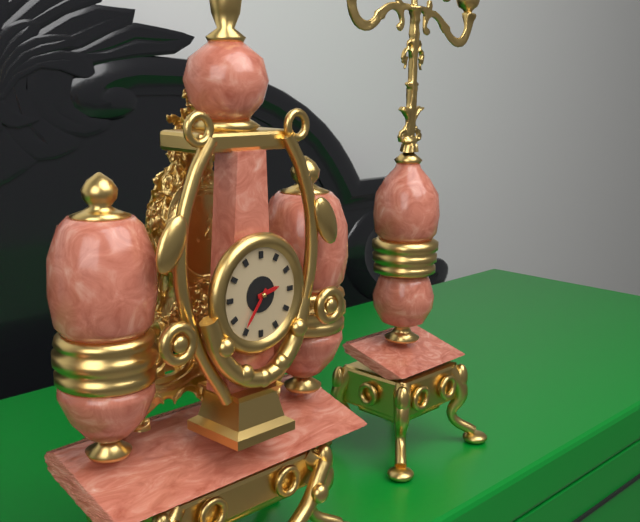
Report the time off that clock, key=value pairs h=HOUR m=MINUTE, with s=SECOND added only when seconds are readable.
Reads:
h=2 m=36
